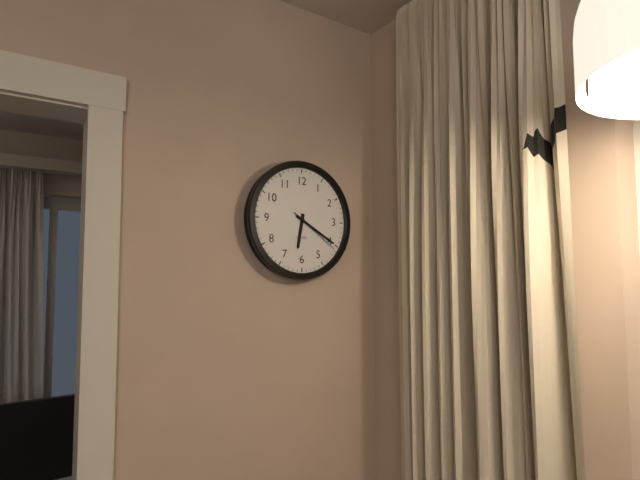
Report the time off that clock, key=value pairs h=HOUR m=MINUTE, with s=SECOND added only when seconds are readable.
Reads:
h=6 m=20 s=21
